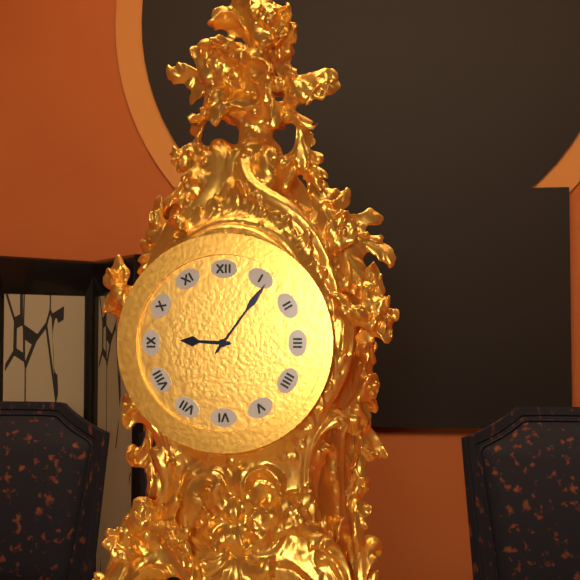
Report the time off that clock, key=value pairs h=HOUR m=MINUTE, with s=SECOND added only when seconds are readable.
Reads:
h=9 m=6
